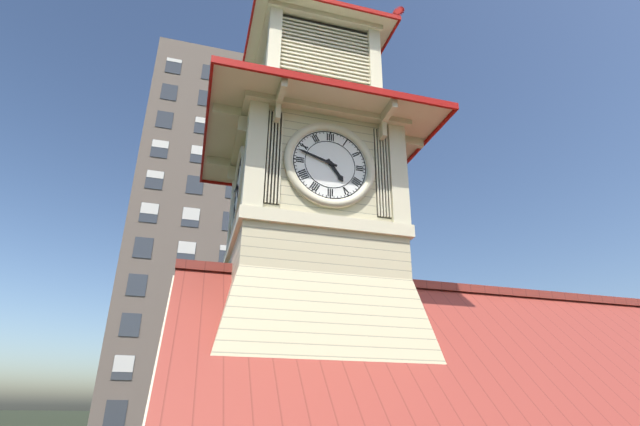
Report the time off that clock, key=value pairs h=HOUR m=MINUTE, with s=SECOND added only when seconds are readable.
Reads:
h=4 m=48
